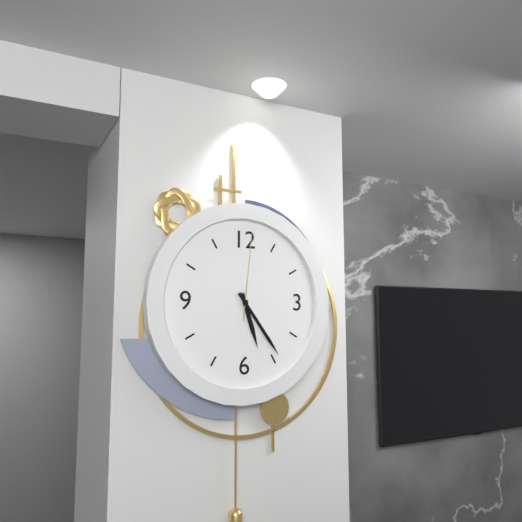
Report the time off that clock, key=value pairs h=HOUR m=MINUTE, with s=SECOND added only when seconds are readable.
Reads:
h=5 m=24 s=1
